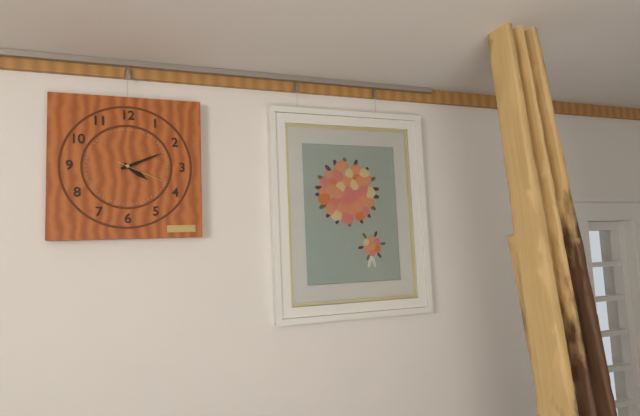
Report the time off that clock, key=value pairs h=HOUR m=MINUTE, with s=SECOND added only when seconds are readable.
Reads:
h=4 m=11
